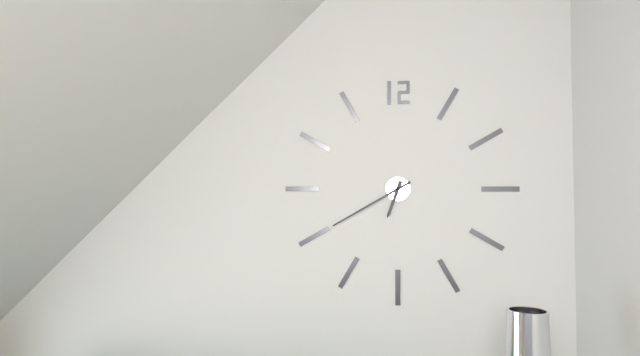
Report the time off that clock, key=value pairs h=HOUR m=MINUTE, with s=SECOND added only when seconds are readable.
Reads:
h=6 m=40
